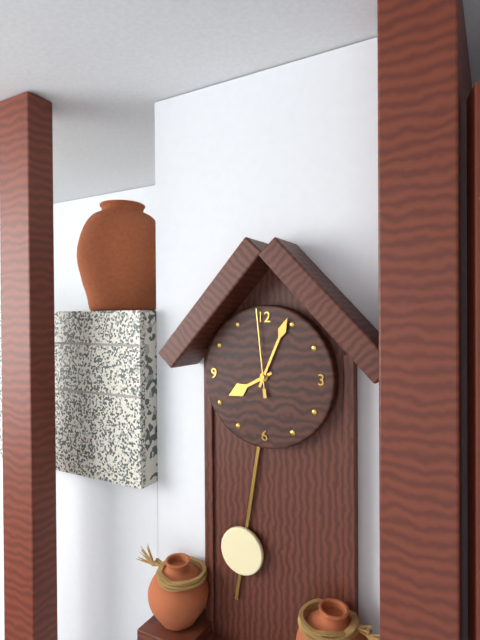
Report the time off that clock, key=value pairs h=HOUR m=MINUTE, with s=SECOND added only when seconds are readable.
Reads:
h=8 m=4 s=59
